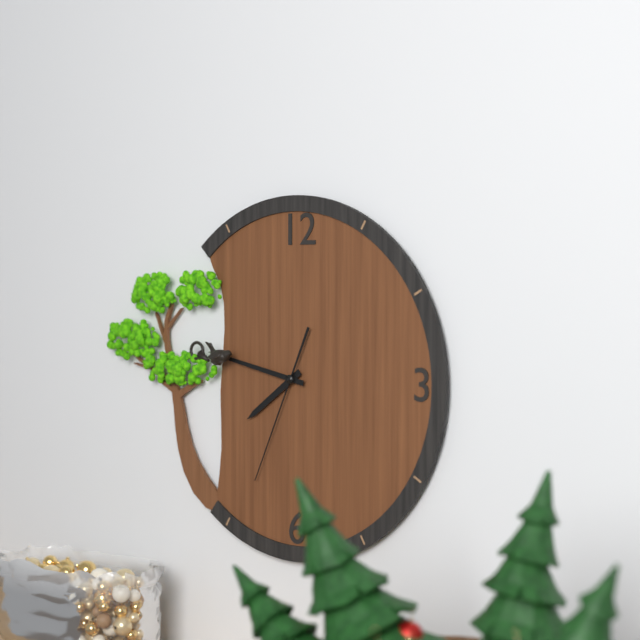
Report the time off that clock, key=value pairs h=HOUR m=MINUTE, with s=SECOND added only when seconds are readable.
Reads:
h=7 m=47 s=34
